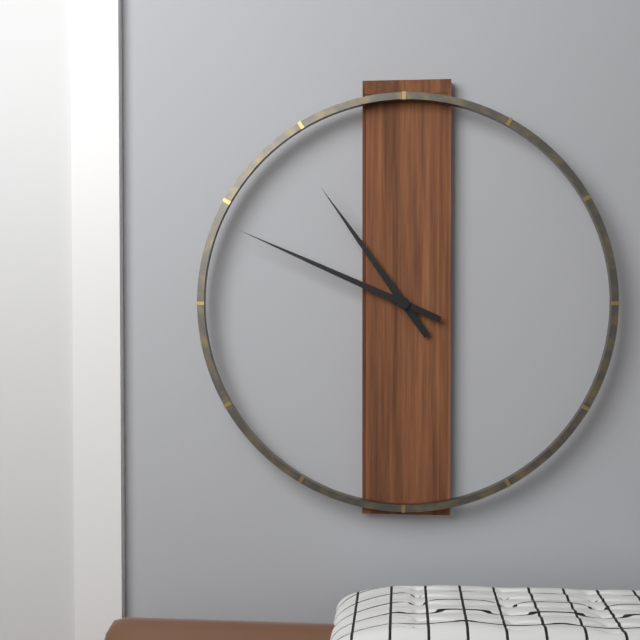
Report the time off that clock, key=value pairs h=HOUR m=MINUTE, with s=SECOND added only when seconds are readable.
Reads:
h=10 m=49
